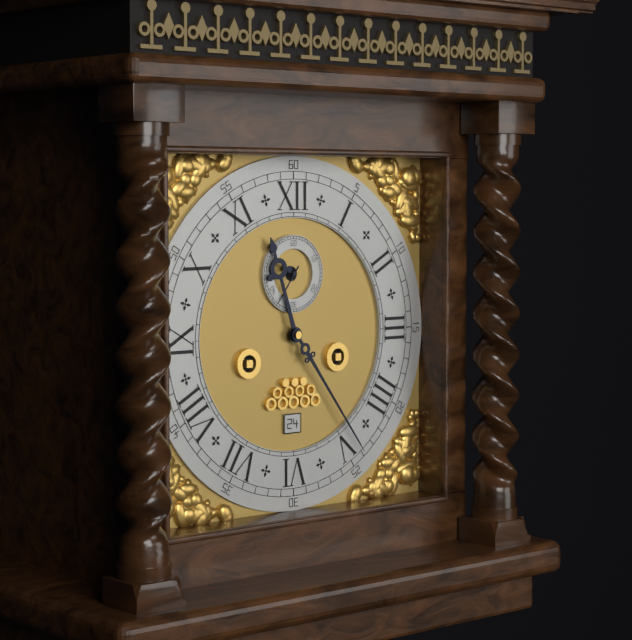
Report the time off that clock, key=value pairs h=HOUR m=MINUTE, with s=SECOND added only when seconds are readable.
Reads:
h=11 m=24
